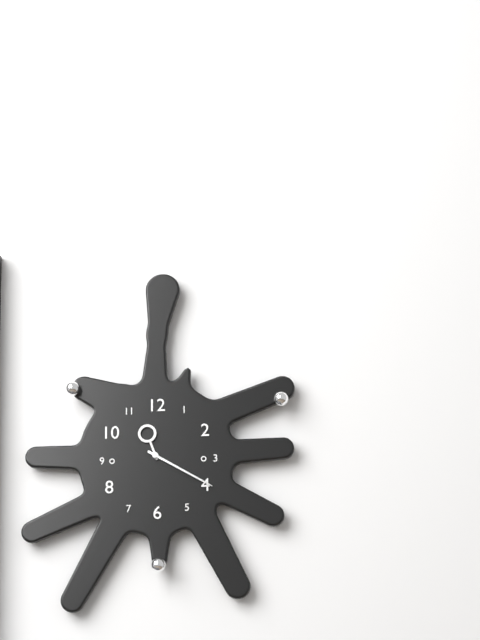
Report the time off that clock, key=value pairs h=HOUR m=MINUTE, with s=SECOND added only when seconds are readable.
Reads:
h=11 m=20
